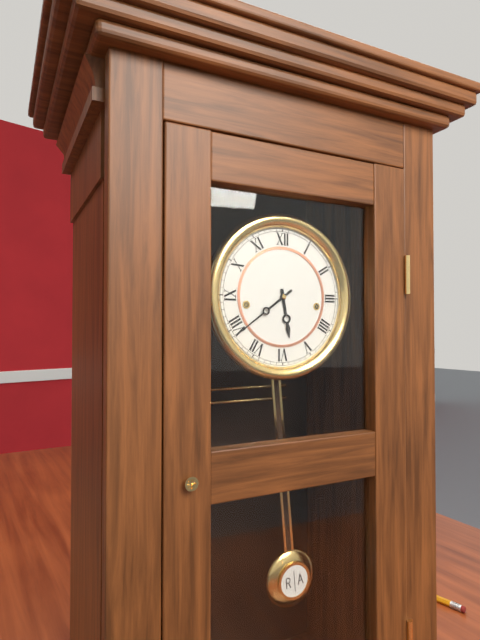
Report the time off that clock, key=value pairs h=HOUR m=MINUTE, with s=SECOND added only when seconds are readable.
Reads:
h=5 m=39
